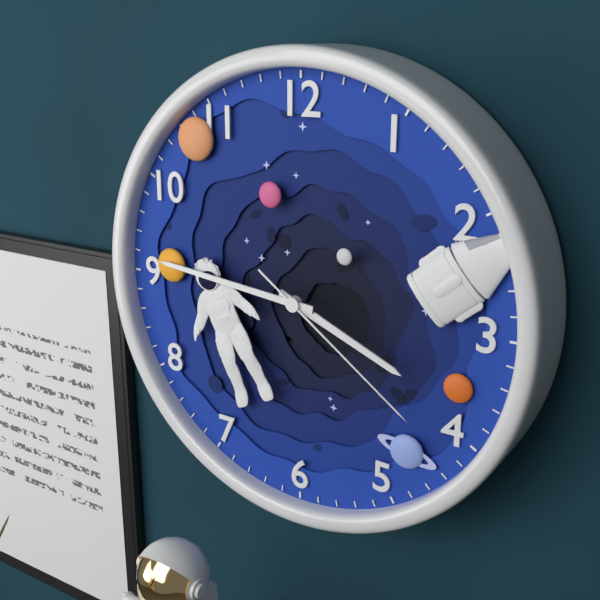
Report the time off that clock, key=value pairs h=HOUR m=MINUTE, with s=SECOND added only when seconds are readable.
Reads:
h=3 m=46 s=21
